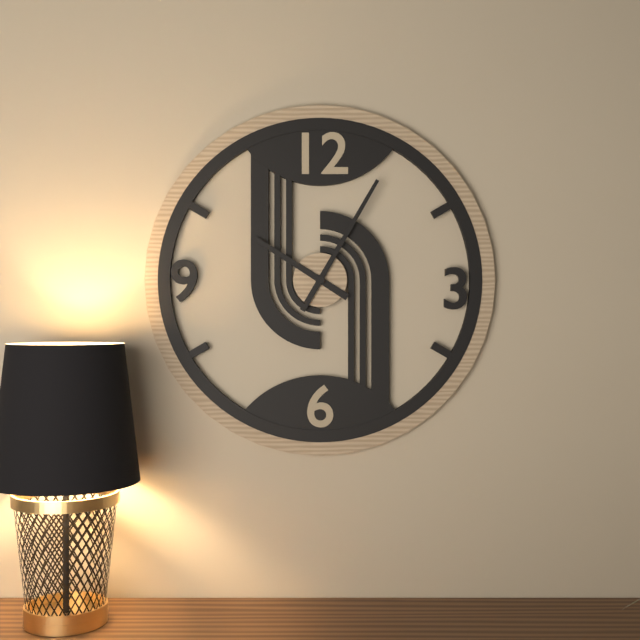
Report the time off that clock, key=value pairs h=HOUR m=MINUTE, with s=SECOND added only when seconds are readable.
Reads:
h=10 m=5
